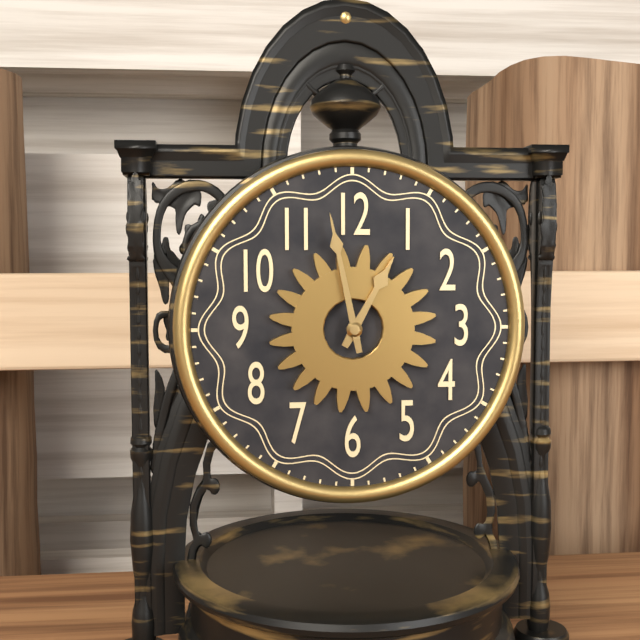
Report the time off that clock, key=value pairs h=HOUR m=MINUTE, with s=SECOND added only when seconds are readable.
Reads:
h=12 m=58
